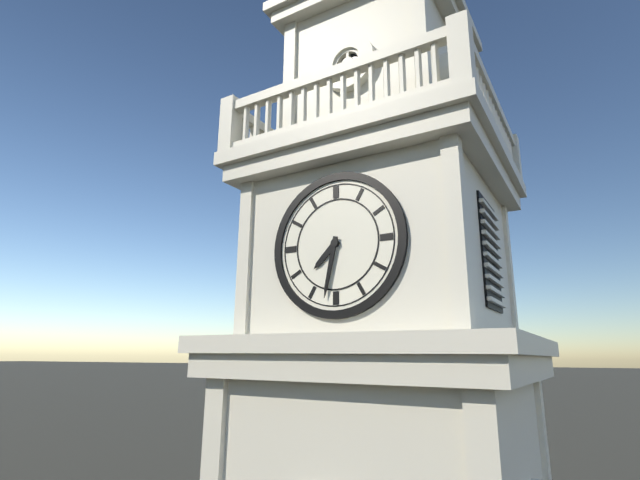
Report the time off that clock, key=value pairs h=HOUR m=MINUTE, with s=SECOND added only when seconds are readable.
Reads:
h=7 m=32
